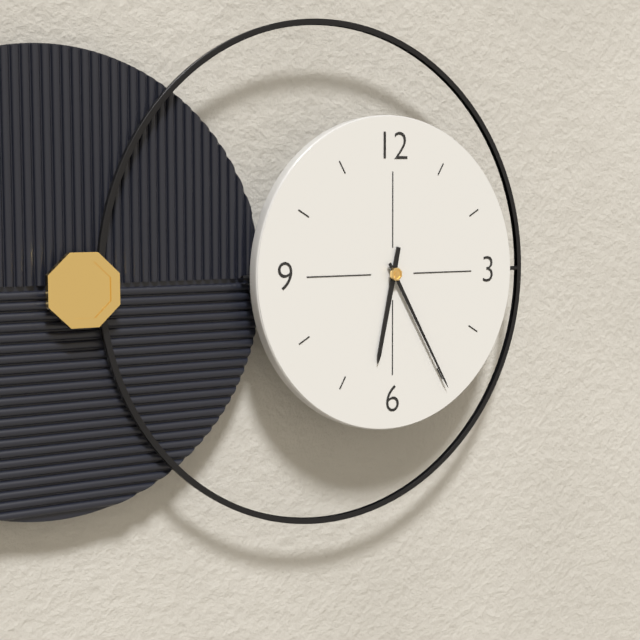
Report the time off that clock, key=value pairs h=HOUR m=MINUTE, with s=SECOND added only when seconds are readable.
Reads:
h=6 m=25
